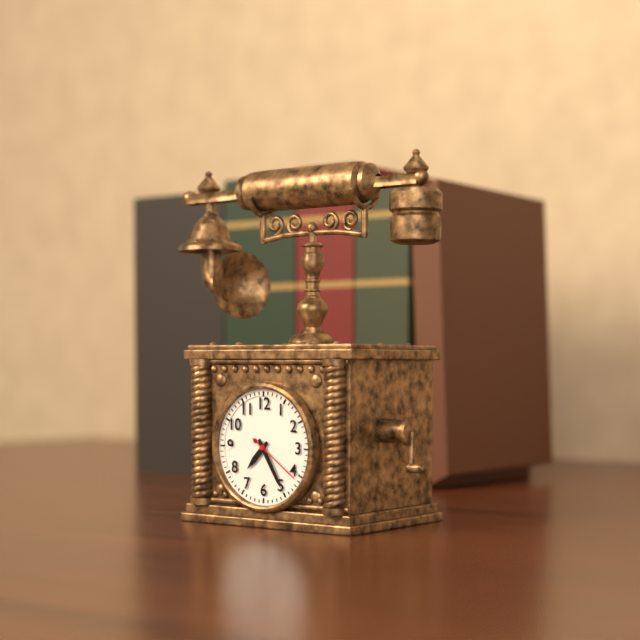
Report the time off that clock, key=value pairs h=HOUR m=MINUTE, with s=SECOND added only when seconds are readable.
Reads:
h=7 m=25 s=21
